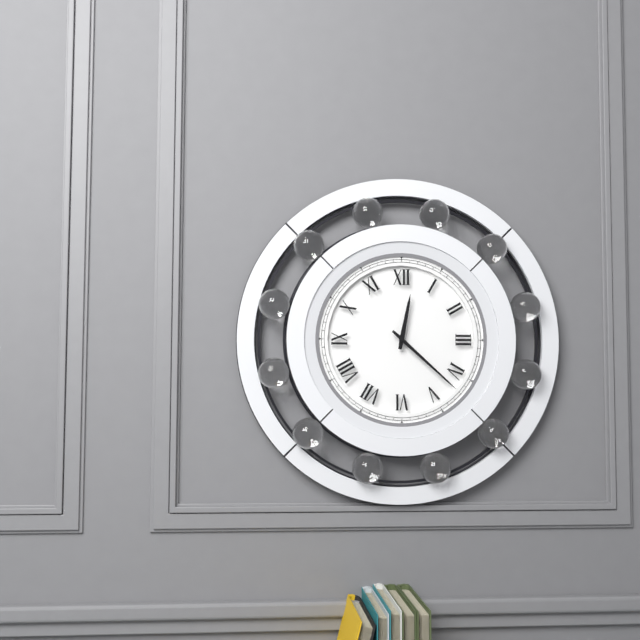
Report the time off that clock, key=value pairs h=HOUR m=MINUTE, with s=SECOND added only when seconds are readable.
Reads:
h=12 m=22
